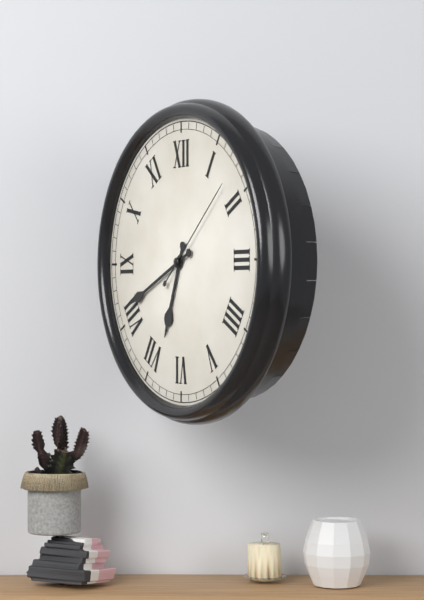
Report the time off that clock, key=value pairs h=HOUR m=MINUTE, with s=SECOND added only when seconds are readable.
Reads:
h=6 m=41 s=8
